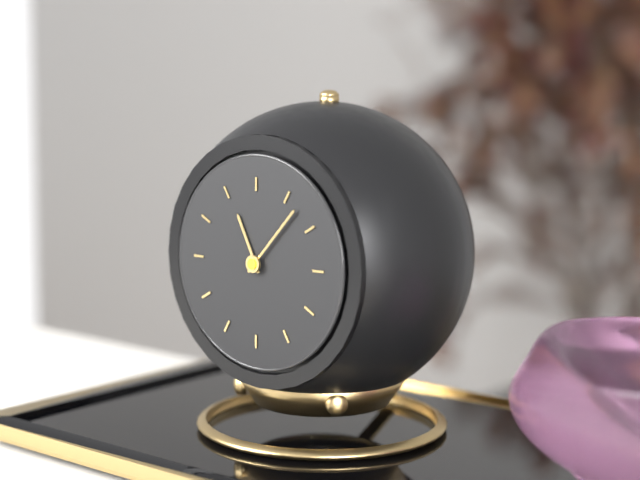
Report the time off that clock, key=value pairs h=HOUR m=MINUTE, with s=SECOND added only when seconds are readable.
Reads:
h=11 m=7
